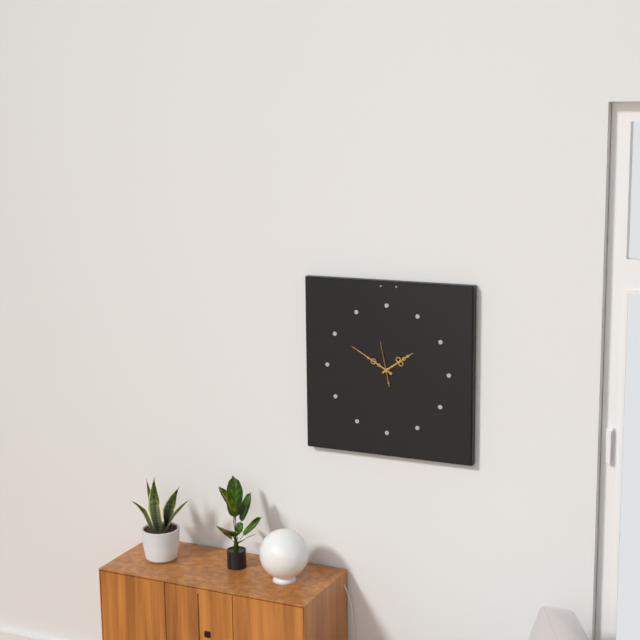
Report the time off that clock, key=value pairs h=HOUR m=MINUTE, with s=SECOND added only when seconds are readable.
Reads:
h=1 m=50
